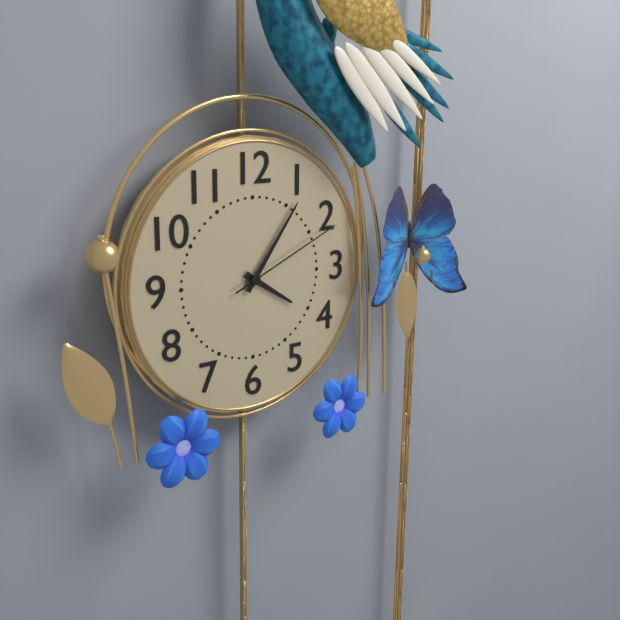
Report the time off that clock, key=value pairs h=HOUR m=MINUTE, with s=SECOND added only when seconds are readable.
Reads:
h=4 m=6 s=11
